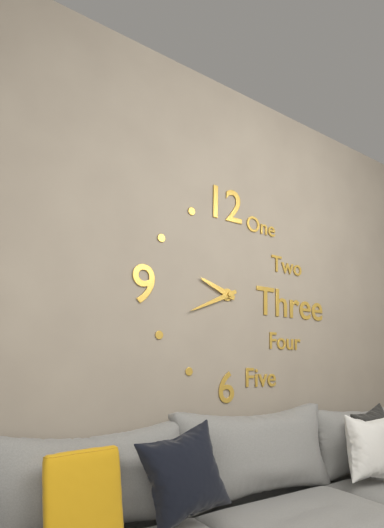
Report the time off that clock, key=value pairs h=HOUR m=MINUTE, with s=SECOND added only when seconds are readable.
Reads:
h=9 m=41
